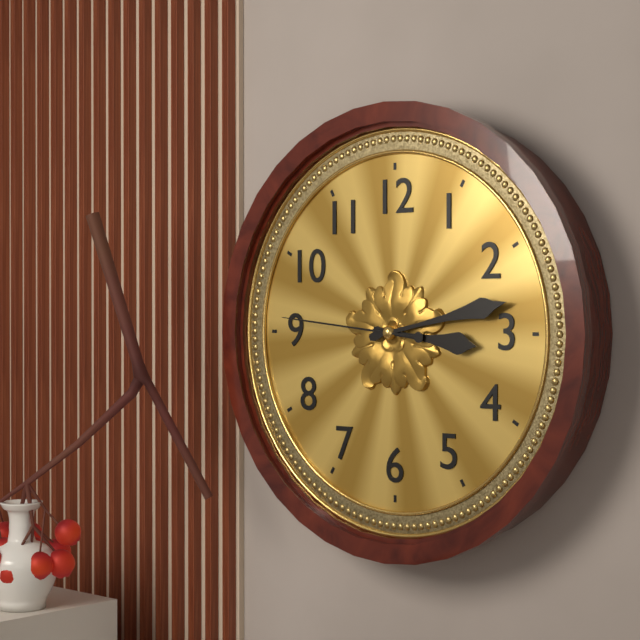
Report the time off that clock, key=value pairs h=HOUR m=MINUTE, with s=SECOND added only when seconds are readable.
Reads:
h=3 m=13 s=46
